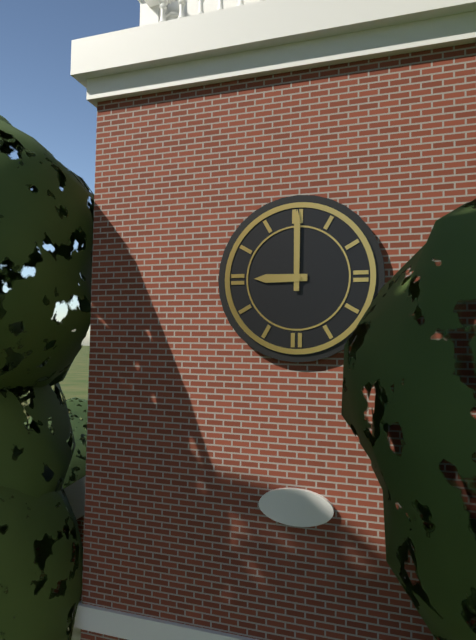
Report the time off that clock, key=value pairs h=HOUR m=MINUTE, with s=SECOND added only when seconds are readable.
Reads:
h=9 m=0
